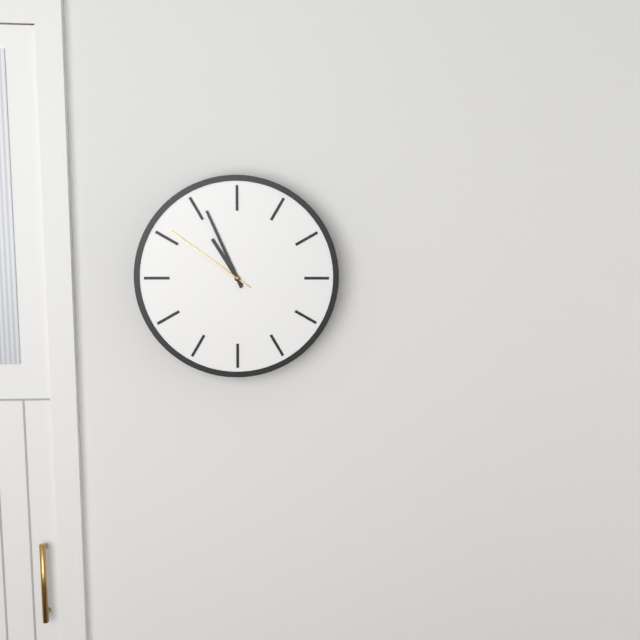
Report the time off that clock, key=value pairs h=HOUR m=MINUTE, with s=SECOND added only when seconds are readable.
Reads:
h=10 m=56 s=51
